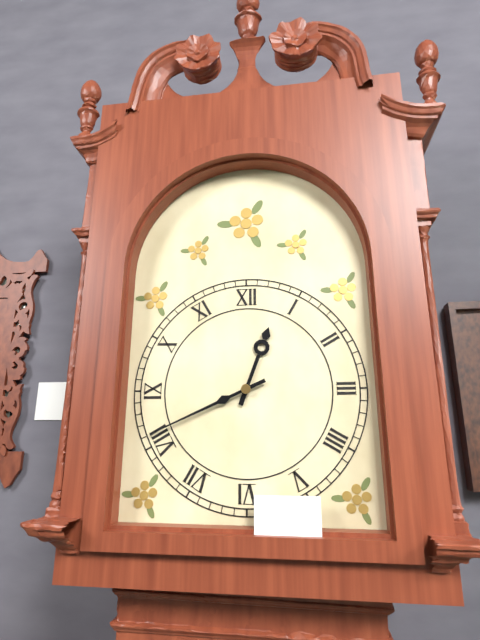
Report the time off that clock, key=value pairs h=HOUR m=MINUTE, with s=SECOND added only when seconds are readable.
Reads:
h=12 m=41
